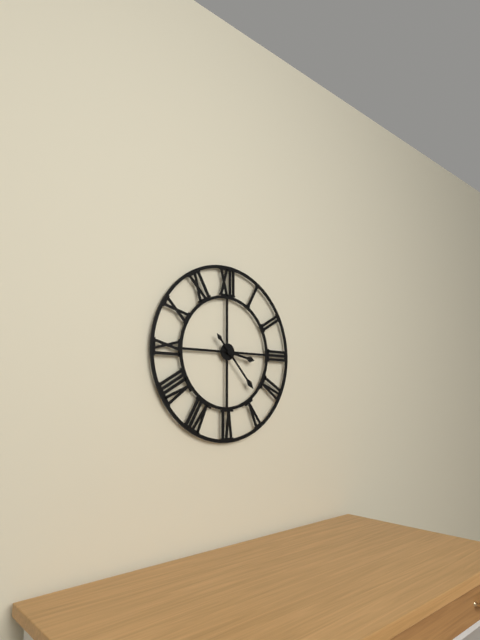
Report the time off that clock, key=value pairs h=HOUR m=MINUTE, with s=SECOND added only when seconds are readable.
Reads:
h=3 m=23
